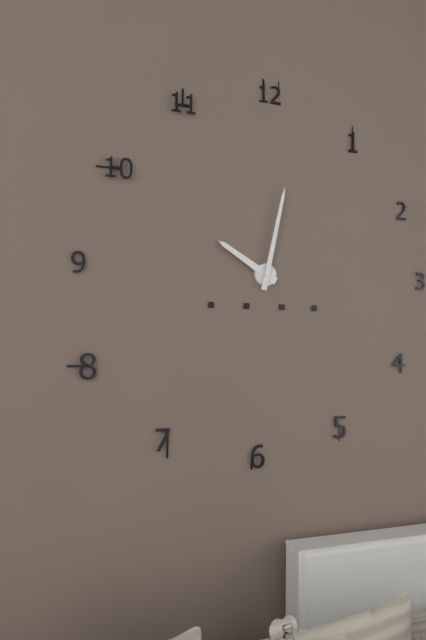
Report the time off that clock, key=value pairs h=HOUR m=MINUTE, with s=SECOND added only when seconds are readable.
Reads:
h=10 m=2
